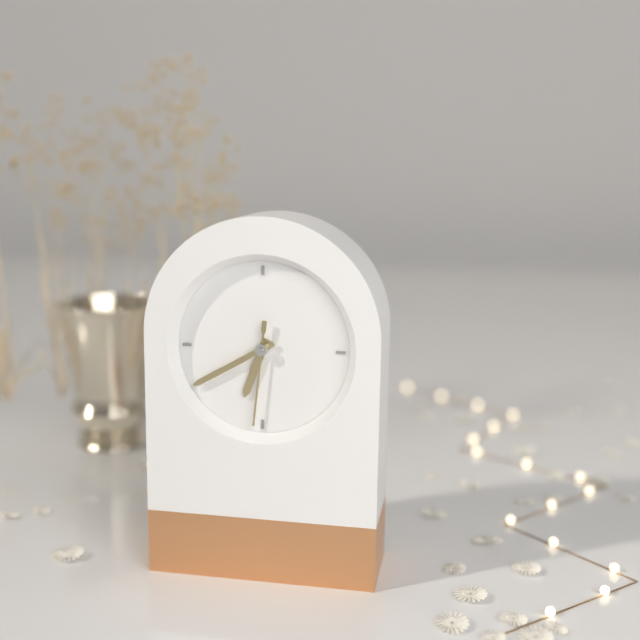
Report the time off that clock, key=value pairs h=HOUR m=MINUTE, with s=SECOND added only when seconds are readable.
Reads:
h=6 m=40 s=31
